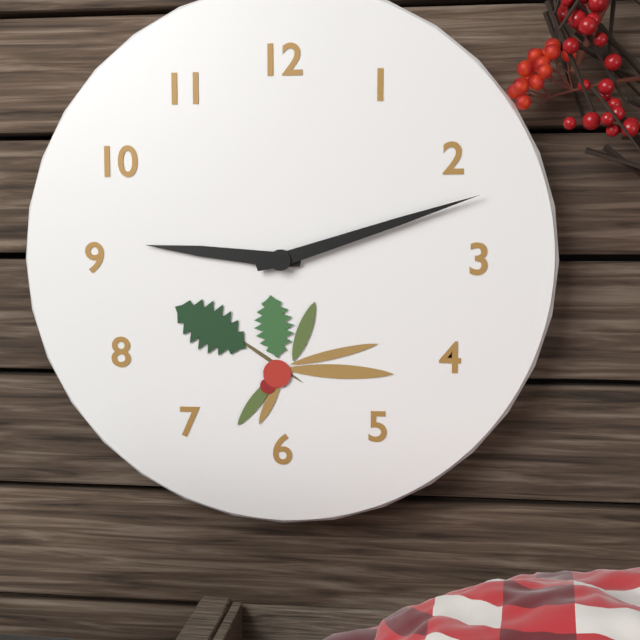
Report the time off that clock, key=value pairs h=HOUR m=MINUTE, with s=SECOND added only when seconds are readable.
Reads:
h=9 m=12
